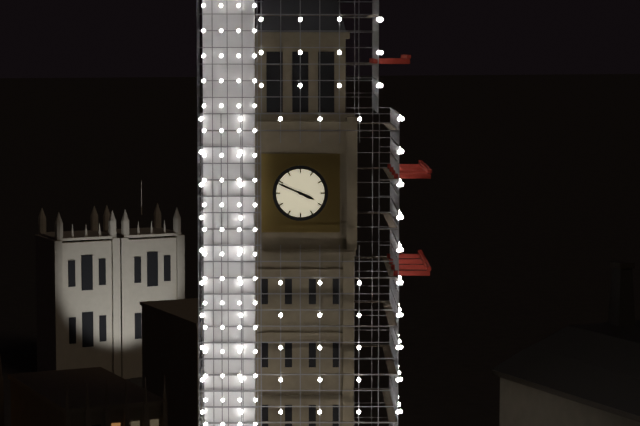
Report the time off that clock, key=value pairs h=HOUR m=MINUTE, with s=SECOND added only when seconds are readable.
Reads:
h=3 m=49
